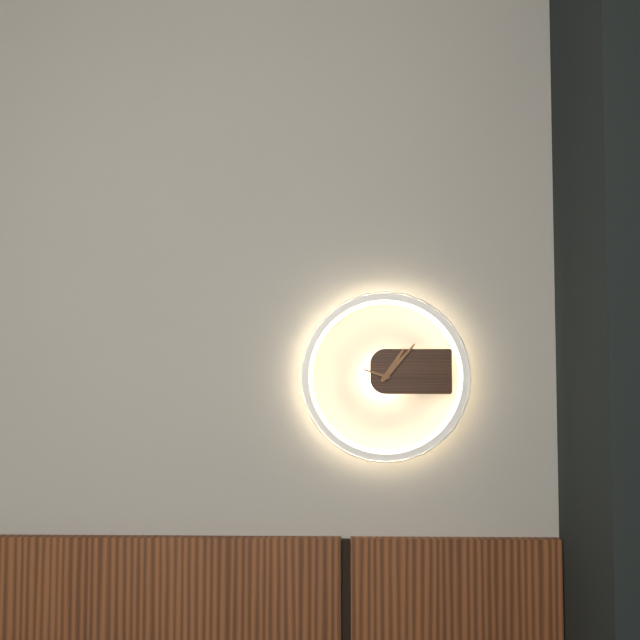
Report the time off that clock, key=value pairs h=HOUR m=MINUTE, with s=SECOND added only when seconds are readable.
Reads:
h=1 m=7
